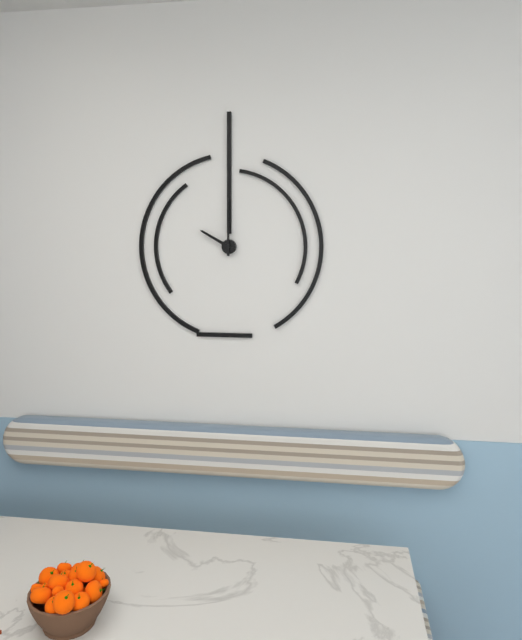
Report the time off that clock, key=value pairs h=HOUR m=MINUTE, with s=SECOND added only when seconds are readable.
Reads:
h=10 m=0
